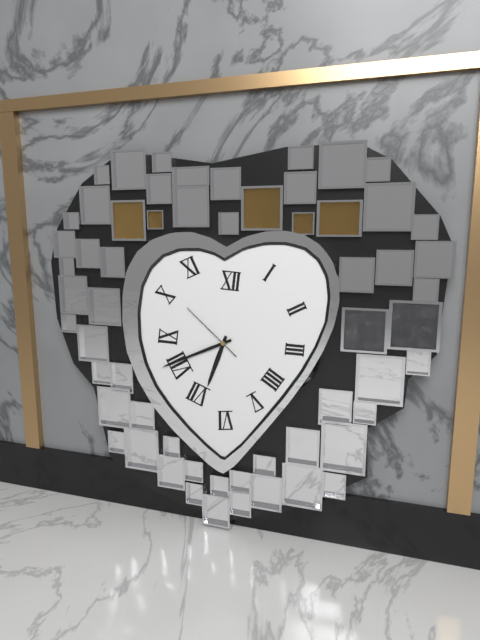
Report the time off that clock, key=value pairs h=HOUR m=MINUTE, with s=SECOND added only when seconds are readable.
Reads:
h=6 m=41 s=52
